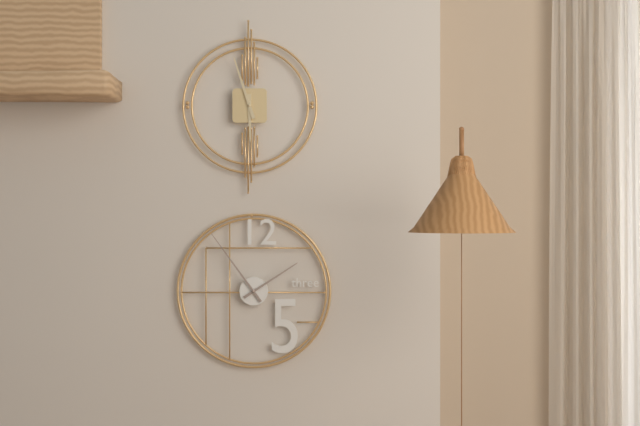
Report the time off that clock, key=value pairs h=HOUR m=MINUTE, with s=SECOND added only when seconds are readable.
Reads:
h=5 m=57
